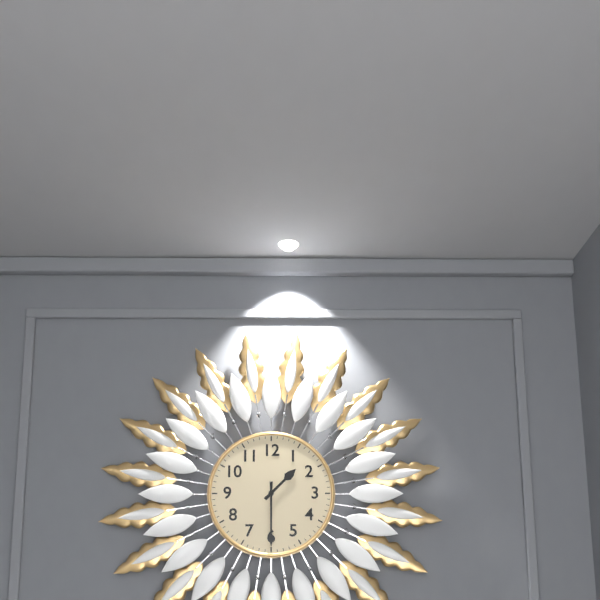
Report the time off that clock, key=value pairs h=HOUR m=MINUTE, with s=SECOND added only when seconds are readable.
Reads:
h=1 m=30
